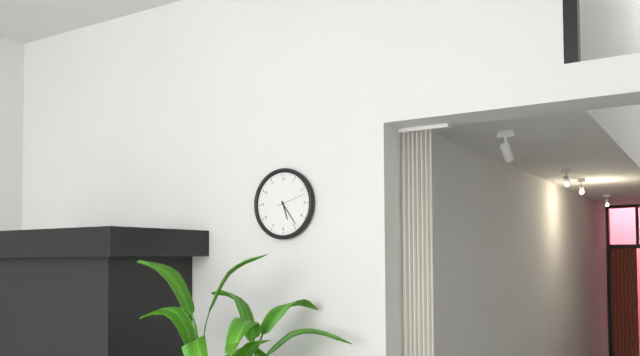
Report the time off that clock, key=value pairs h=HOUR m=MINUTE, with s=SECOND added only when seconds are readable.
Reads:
h=5 m=24
